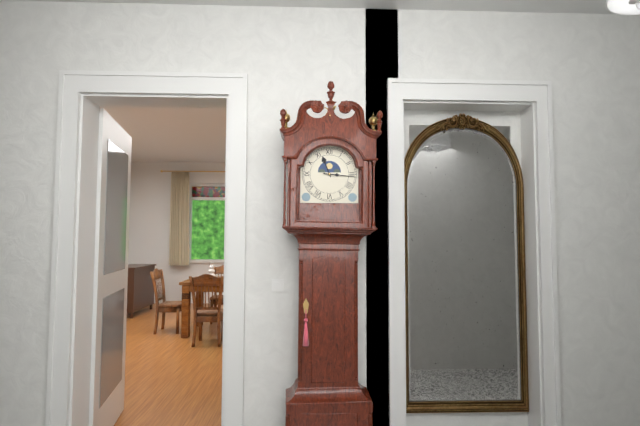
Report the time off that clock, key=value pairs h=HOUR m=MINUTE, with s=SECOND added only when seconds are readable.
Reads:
h=11 m=16
